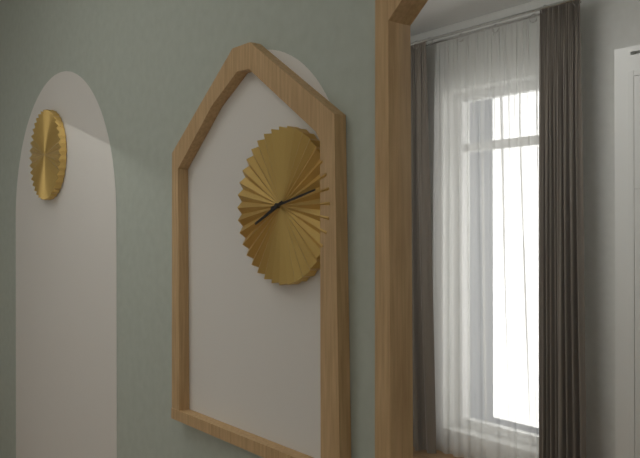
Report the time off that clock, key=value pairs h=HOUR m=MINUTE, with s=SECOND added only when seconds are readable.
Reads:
h=8 m=13
